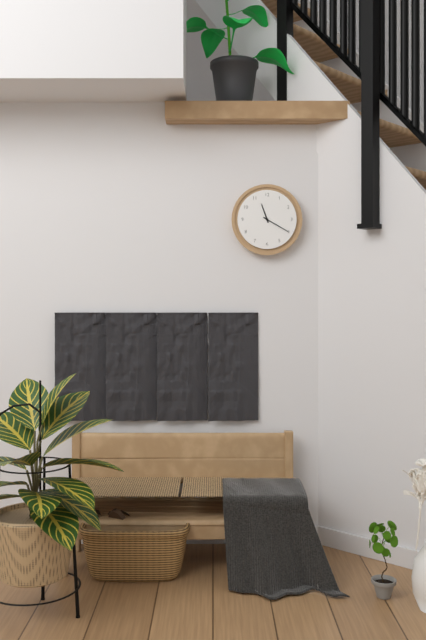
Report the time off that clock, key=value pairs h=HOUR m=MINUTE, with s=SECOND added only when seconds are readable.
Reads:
h=11 m=20
